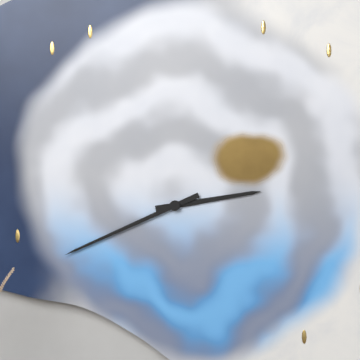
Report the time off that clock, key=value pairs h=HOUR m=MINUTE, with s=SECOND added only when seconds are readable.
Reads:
h=2 m=41
